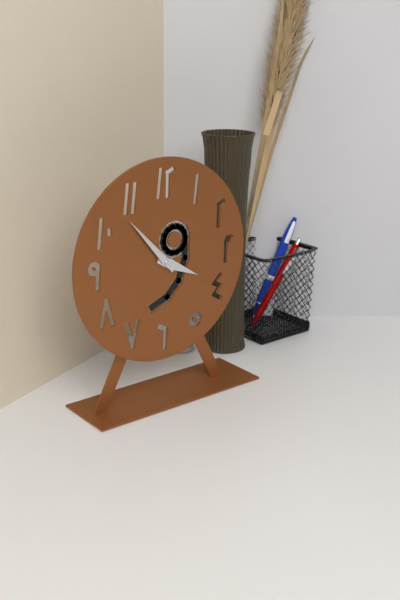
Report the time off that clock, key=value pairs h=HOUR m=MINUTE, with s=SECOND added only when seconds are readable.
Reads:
h=3 m=53
